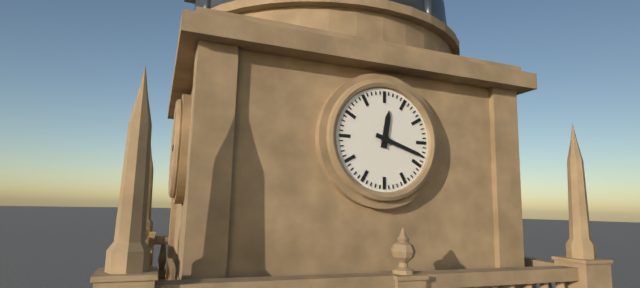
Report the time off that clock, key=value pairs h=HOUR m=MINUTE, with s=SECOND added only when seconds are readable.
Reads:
h=12 m=18
